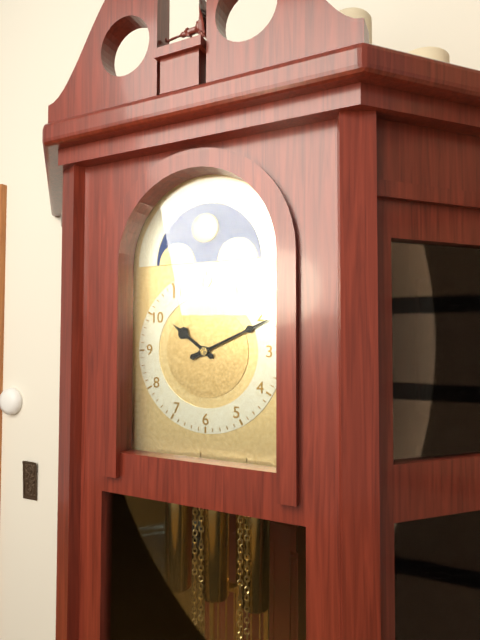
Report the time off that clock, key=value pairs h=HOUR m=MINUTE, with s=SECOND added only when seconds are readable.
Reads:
h=10 m=11
